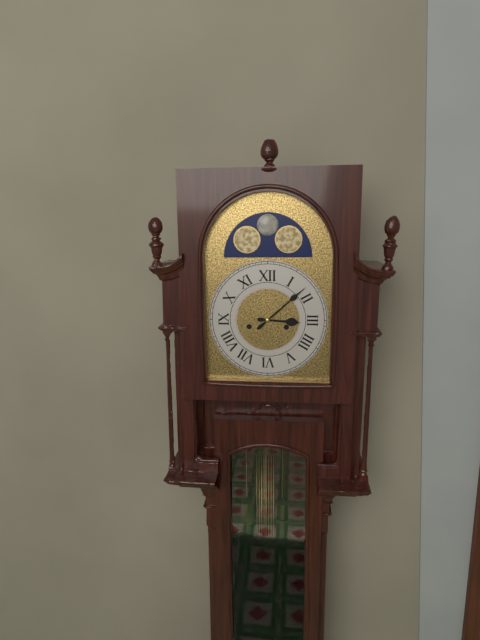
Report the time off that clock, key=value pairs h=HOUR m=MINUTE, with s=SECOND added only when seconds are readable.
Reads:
h=3 m=8
